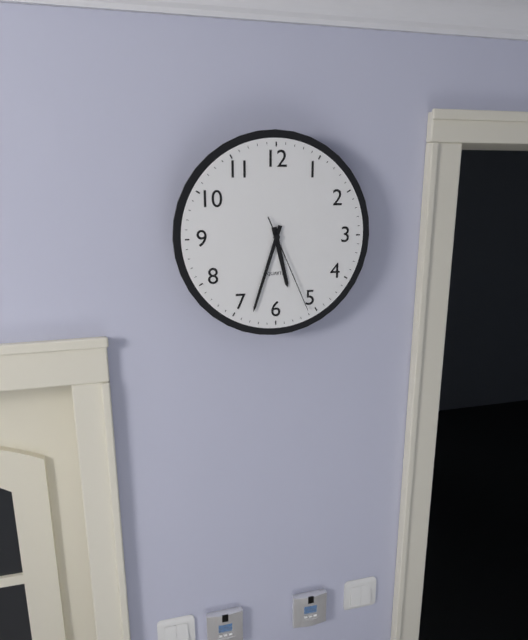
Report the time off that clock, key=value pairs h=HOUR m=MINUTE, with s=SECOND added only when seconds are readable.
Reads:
h=5 m=33 s=26
